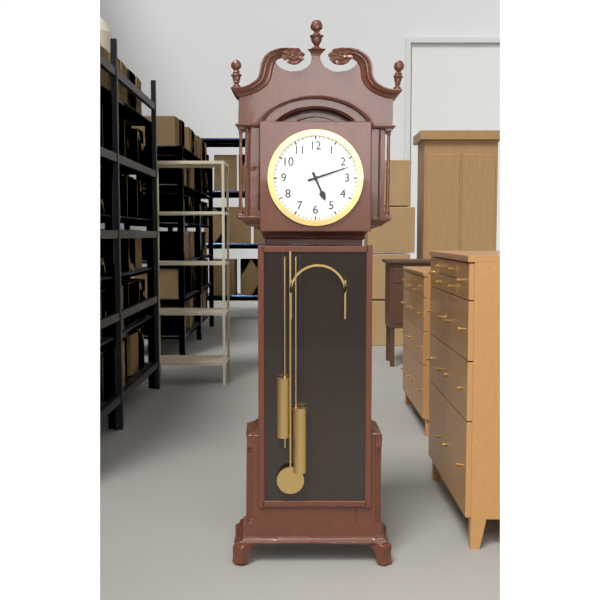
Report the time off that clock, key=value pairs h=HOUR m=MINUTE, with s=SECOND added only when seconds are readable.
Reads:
h=5 m=12
